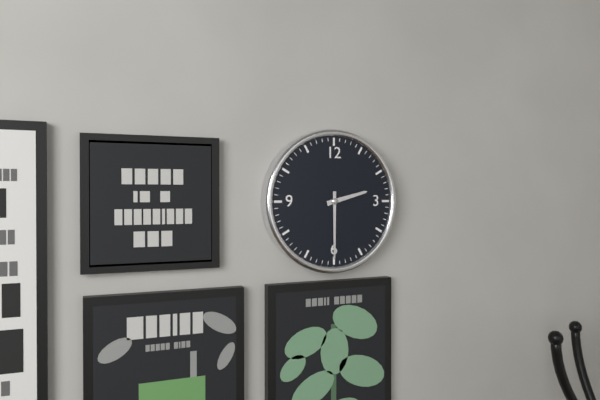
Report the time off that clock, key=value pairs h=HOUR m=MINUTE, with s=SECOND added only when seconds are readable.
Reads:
h=2 m=30
